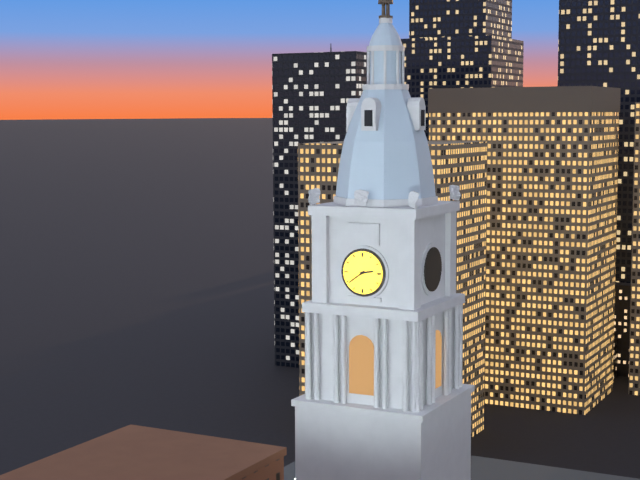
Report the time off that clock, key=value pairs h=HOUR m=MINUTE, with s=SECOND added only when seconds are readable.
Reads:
h=2 m=39
